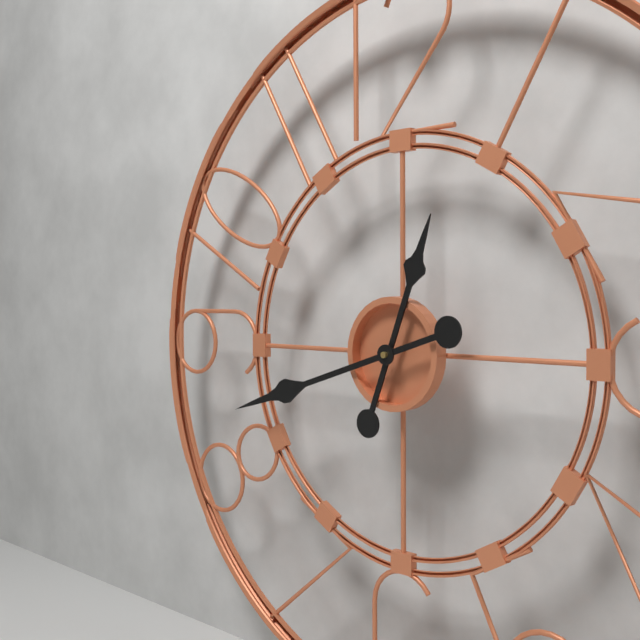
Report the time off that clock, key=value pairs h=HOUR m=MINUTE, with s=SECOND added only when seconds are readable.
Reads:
h=12 m=42
